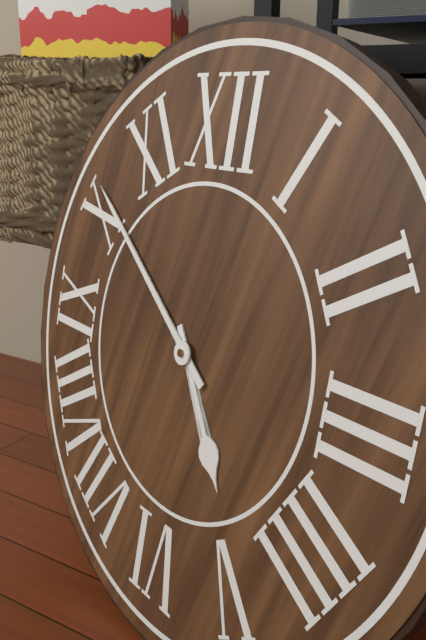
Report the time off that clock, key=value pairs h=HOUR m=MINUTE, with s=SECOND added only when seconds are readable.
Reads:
h=4 m=51
